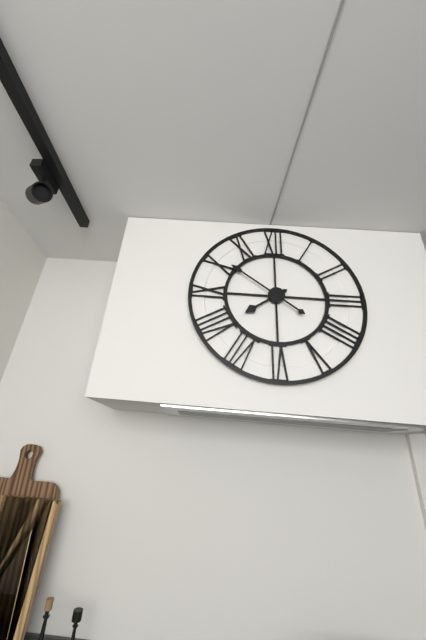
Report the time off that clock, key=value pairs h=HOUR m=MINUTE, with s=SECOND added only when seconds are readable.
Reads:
h=7 m=51
